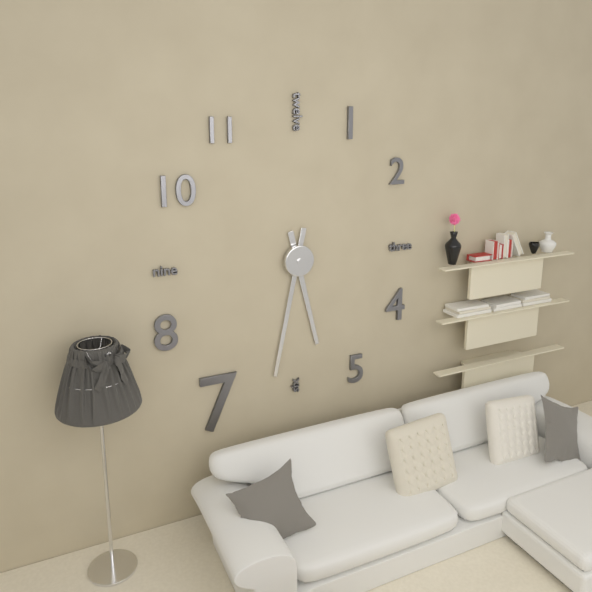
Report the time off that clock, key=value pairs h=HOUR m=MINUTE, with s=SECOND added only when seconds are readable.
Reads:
h=5 m=32
